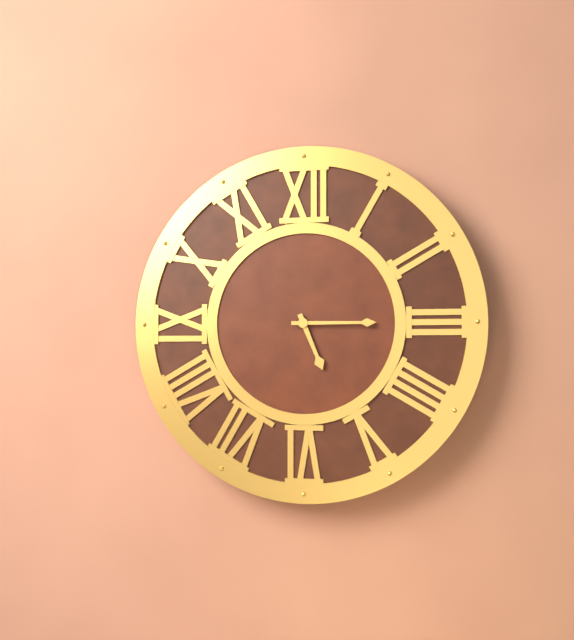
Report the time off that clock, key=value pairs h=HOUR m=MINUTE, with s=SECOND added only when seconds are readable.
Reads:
h=5 m=15
